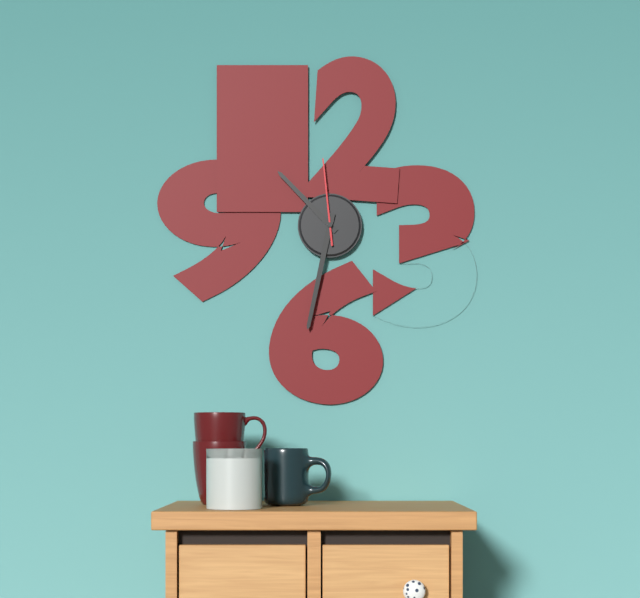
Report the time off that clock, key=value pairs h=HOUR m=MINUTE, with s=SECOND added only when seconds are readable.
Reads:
h=10 m=32 s=59
